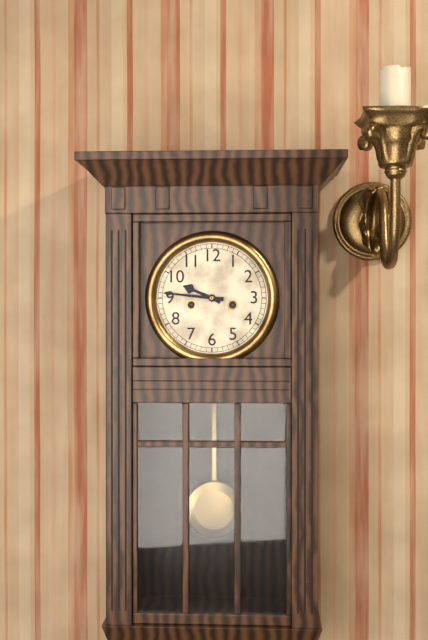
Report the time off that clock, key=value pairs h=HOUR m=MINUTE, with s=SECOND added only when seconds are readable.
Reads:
h=9 m=46
